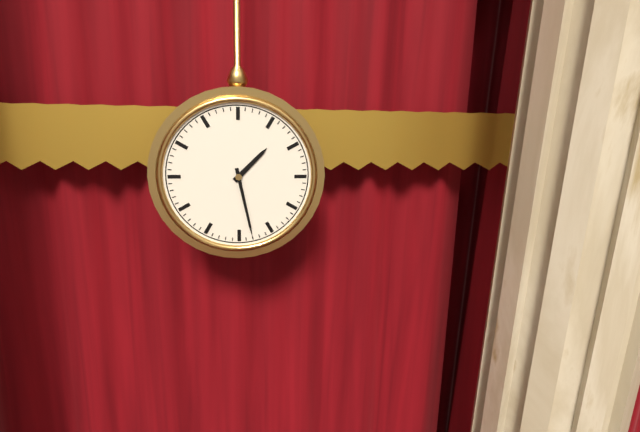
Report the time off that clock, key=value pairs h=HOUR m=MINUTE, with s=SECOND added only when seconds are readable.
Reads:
h=1 m=28
